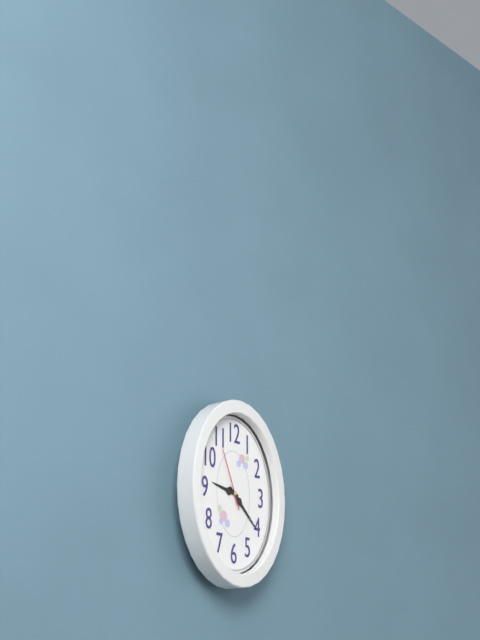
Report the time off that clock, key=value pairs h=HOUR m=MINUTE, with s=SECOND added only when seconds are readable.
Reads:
h=9 m=22 s=56
